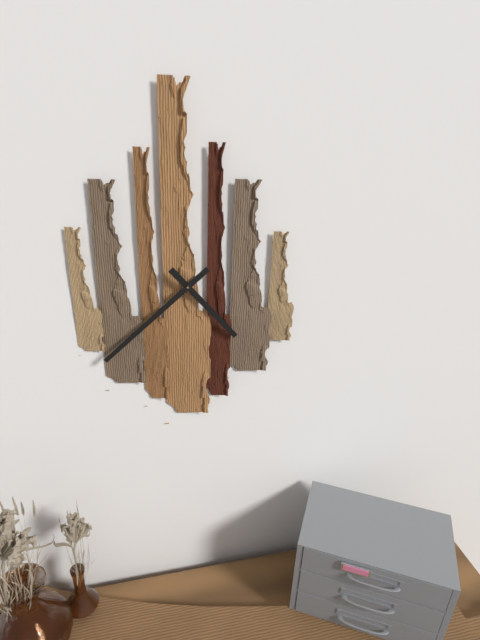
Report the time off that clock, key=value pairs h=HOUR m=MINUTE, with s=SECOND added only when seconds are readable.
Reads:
h=4 m=38
